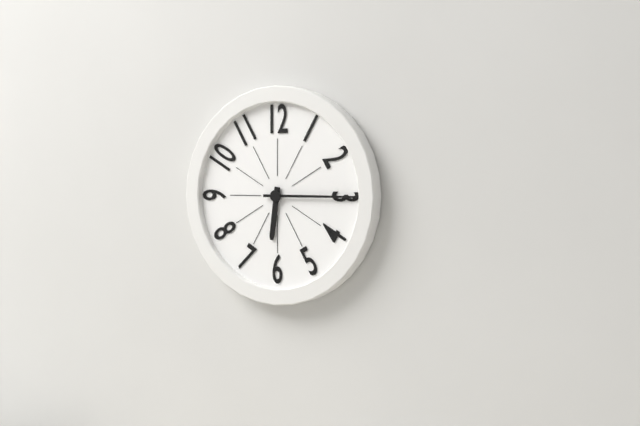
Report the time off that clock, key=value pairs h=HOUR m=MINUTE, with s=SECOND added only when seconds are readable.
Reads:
h=6 m=15
